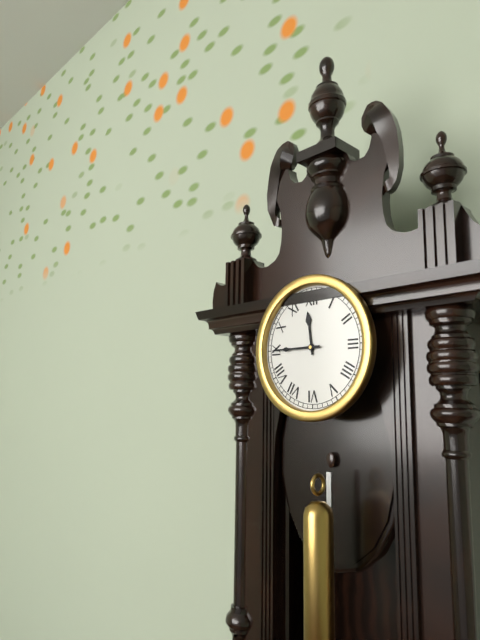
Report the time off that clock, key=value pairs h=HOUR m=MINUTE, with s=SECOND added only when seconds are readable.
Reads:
h=11 m=45
